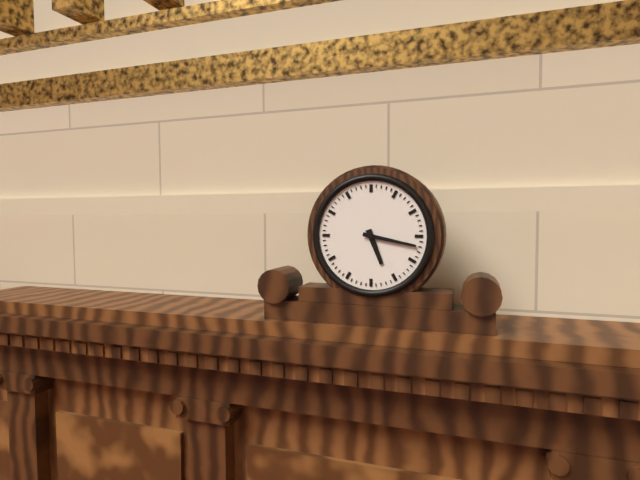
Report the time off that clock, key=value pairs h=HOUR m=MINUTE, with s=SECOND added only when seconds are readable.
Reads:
h=5 m=17
